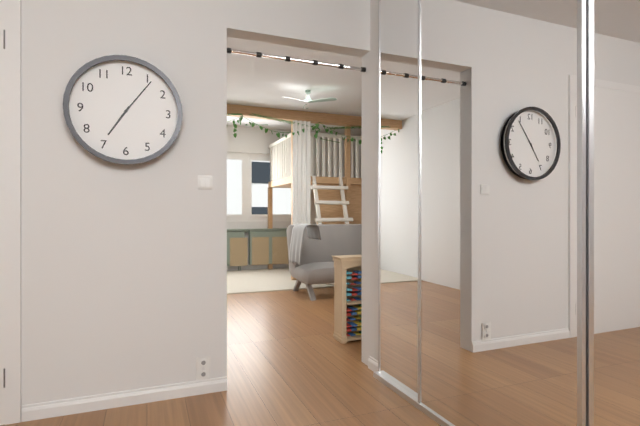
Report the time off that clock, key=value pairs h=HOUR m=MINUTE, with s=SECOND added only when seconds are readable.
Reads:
h=7 m=6
